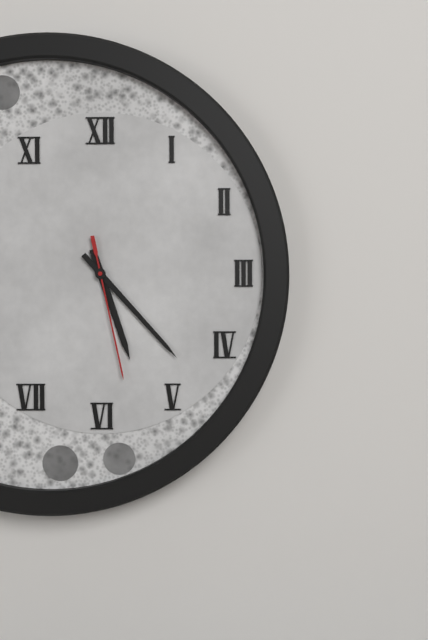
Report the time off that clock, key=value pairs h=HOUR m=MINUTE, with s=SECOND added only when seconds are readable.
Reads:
h=5 m=23 s=28
